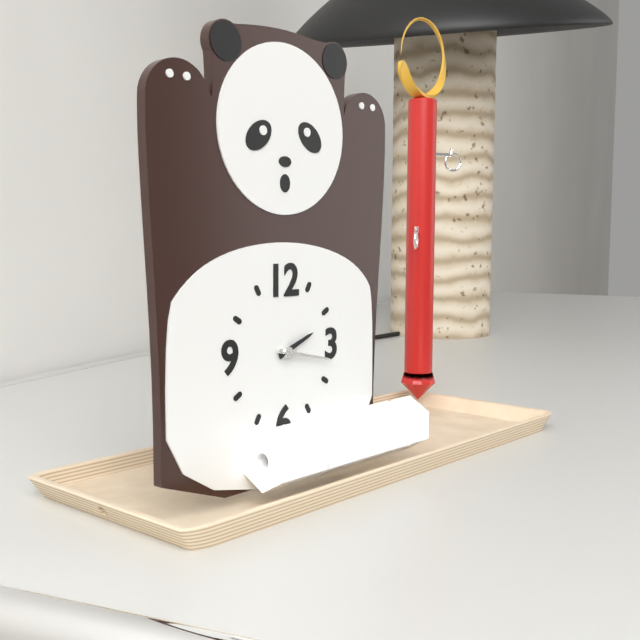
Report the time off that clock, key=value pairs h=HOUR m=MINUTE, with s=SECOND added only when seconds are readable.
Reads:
h=2 m=17
